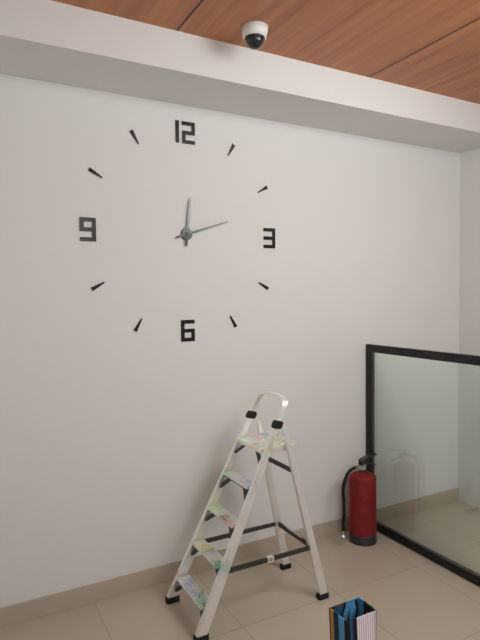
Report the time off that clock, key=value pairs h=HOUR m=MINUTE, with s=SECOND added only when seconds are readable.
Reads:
h=12 m=12
